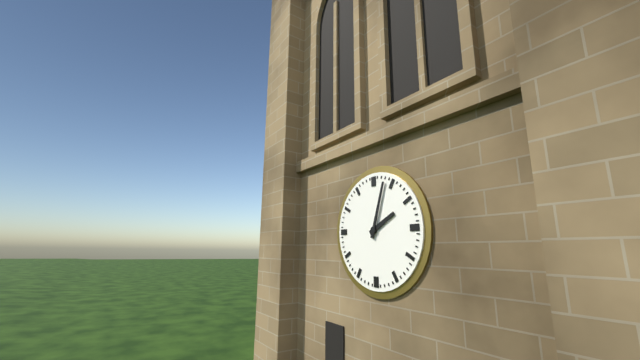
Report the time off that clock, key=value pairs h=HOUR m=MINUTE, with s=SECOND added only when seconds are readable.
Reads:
h=2 m=3
